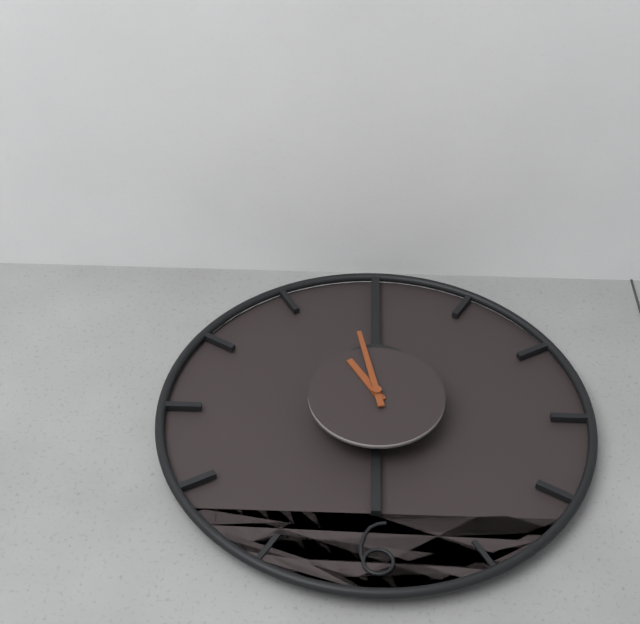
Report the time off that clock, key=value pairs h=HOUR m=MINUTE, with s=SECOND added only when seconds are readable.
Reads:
h=10 m=58
